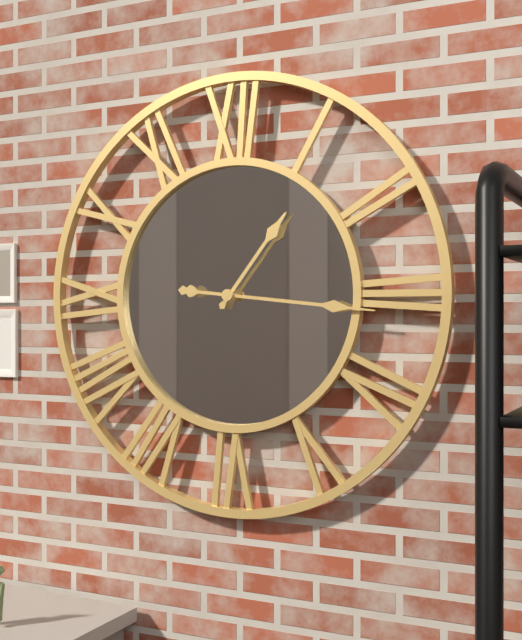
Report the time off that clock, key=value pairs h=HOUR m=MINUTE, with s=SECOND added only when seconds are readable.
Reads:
h=1 m=16
